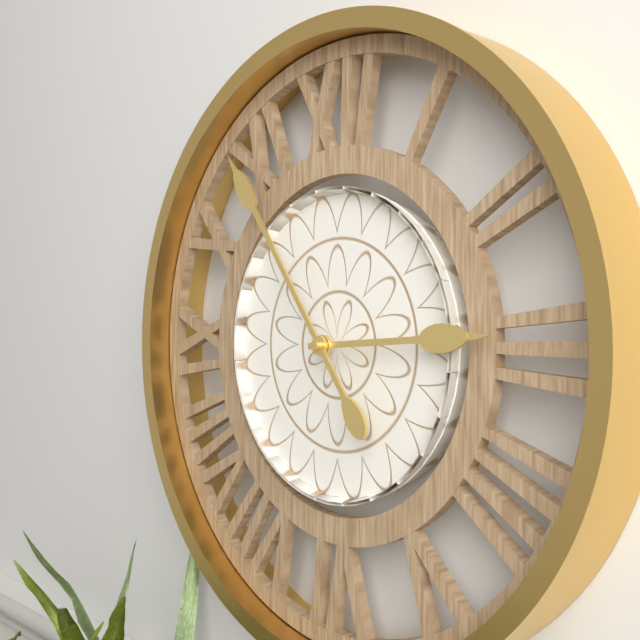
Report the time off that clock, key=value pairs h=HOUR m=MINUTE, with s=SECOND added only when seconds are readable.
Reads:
h=2 m=54
